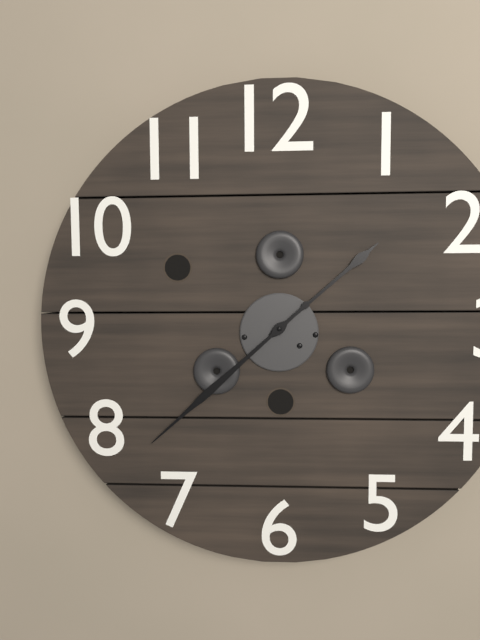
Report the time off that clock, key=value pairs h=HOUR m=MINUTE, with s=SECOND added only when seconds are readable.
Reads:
h=1 m=38
